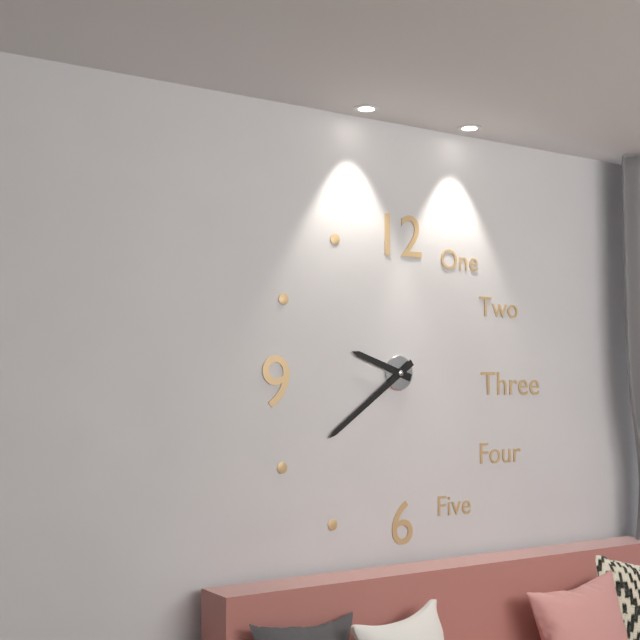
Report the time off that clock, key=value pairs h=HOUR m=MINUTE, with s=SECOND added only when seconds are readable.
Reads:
h=9 m=39
